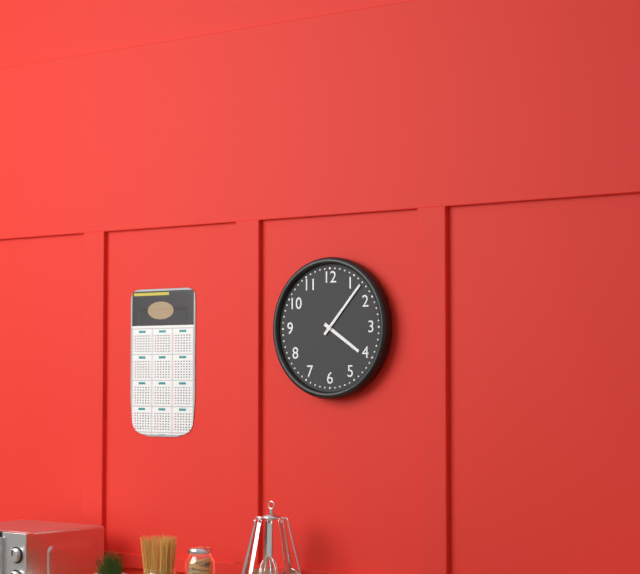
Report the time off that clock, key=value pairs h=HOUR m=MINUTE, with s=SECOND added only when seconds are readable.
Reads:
h=4 m=7
